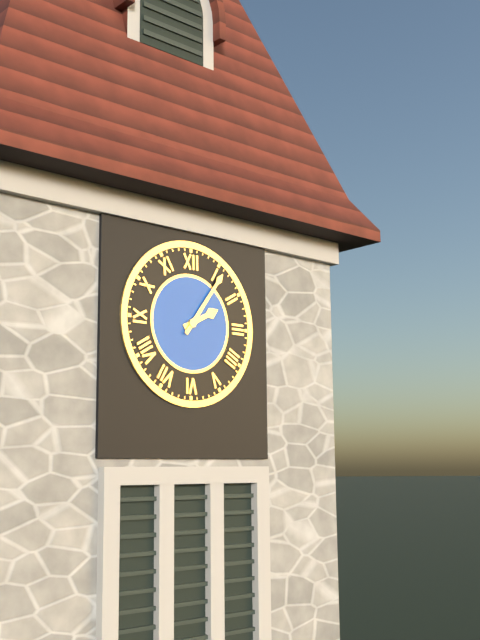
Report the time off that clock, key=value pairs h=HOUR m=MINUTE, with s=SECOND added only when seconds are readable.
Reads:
h=2 m=6
